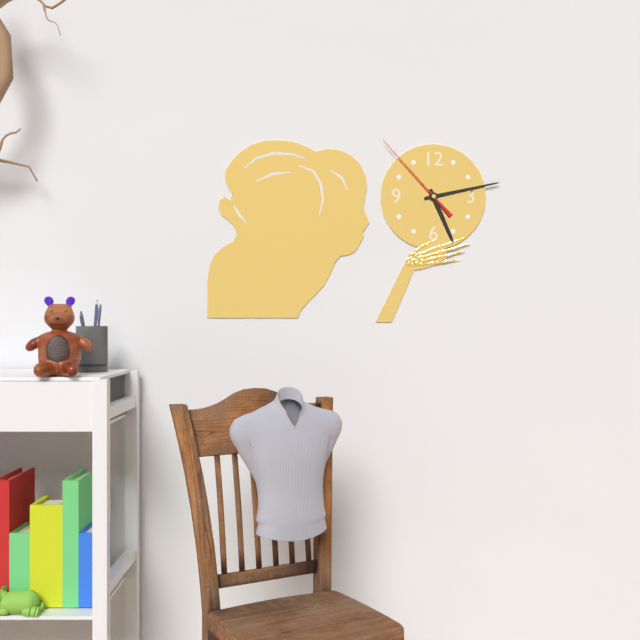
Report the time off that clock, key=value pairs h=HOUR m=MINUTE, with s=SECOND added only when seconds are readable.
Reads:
h=5 m=13 s=53
